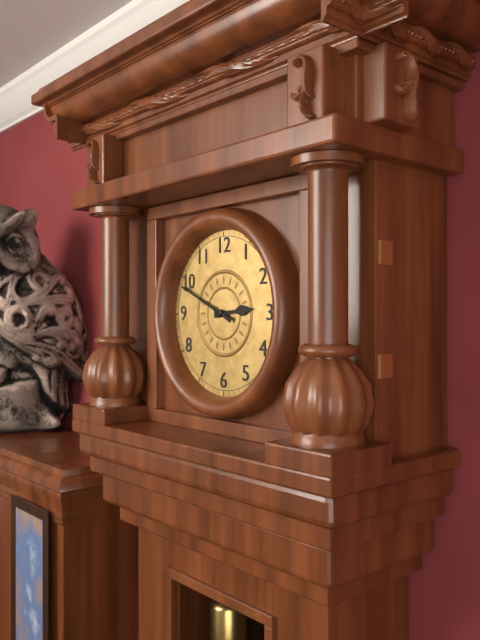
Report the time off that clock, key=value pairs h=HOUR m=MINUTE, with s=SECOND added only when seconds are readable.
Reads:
h=2 m=49
